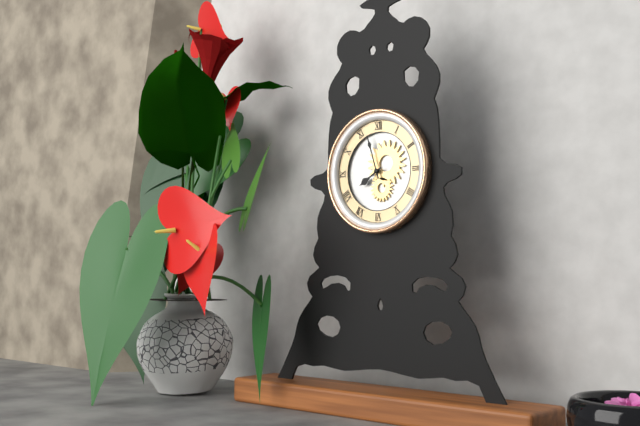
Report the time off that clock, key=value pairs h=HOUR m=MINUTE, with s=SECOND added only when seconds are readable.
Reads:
h=7 m=57
